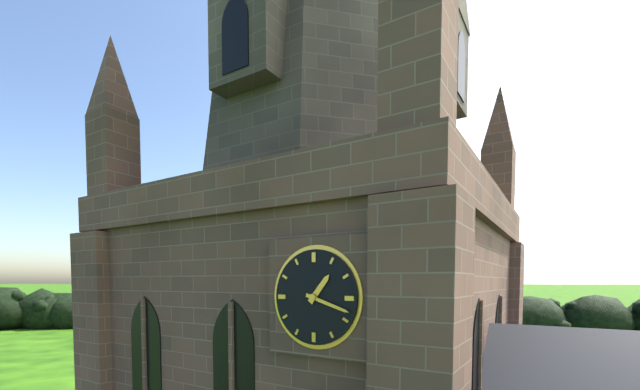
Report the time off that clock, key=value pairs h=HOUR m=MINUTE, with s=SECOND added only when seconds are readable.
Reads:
h=1 m=18
